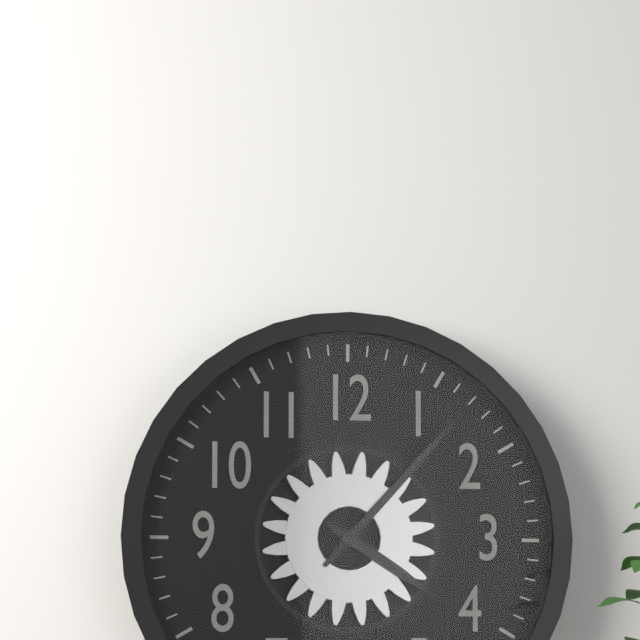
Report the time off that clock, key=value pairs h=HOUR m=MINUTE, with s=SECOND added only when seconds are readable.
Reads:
h=4 m=7
